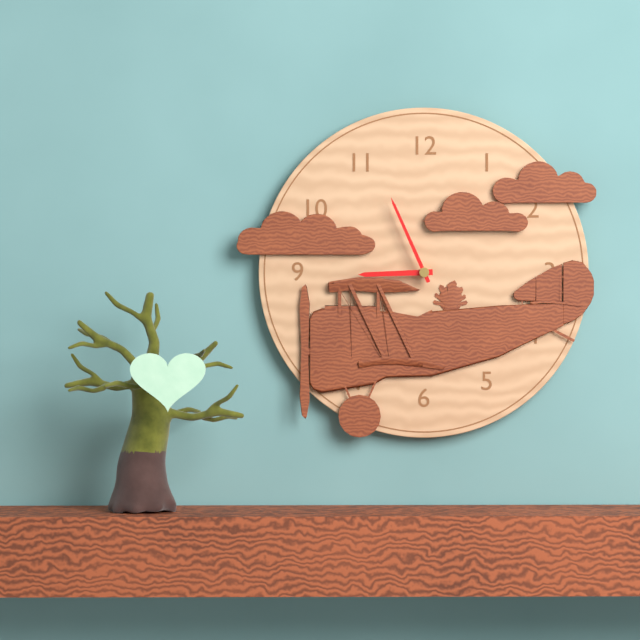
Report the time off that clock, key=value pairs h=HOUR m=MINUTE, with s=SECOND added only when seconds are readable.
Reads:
h=8 m=56
